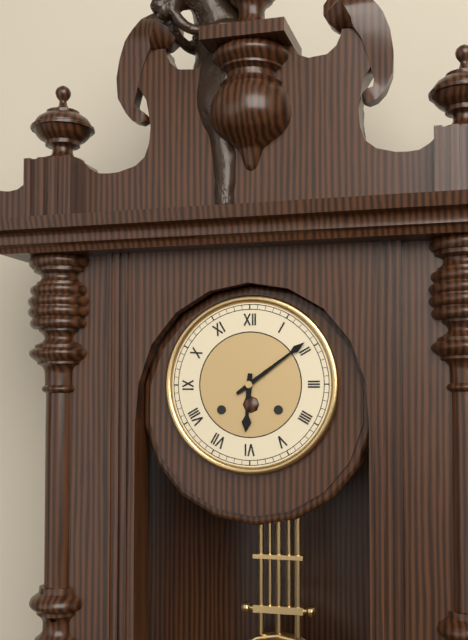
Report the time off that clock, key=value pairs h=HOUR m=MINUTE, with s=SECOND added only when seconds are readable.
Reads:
h=6 m=9
